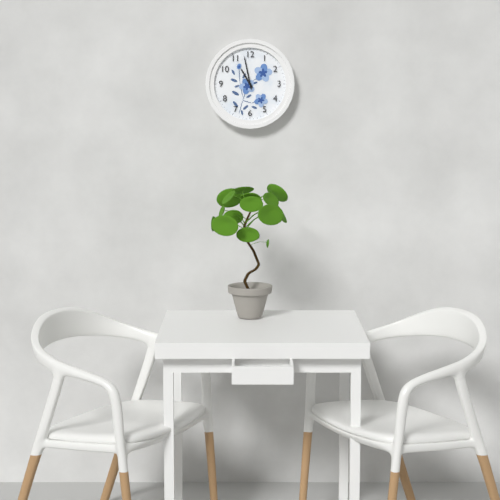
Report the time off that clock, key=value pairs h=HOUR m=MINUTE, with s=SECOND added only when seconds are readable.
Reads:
h=10 m=58
